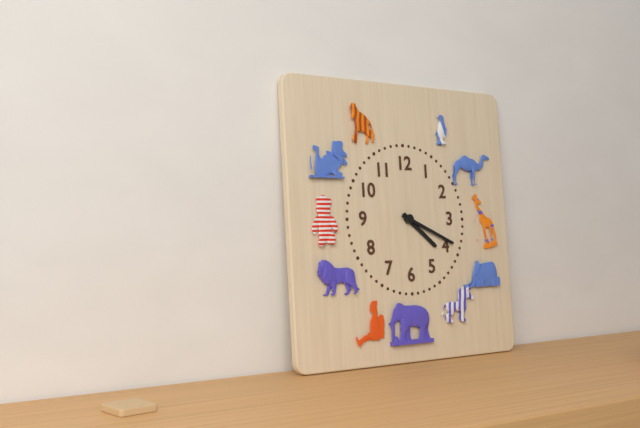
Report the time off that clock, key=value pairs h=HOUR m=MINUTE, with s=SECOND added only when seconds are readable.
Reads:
h=4 m=19
